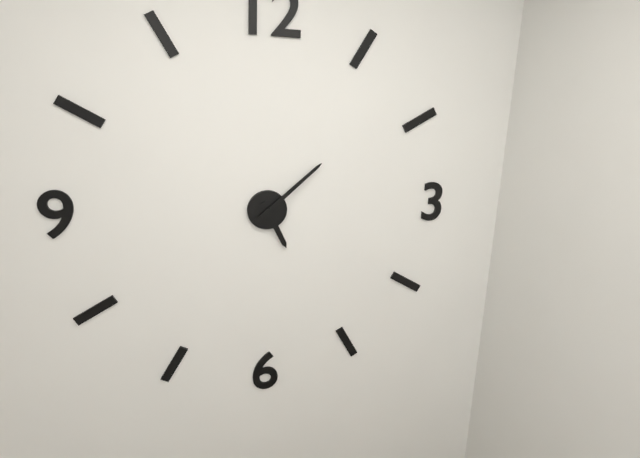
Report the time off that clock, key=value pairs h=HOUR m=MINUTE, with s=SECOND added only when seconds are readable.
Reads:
h=5 m=8
